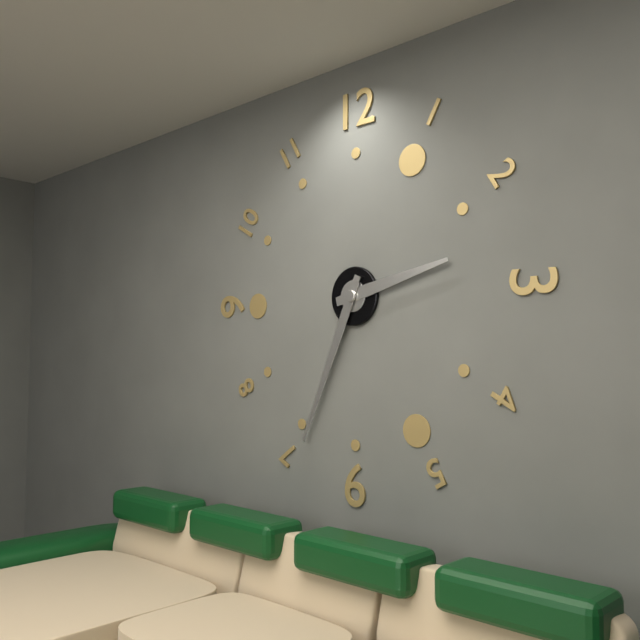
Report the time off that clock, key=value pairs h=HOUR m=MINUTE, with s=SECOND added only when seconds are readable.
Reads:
h=2 m=34
